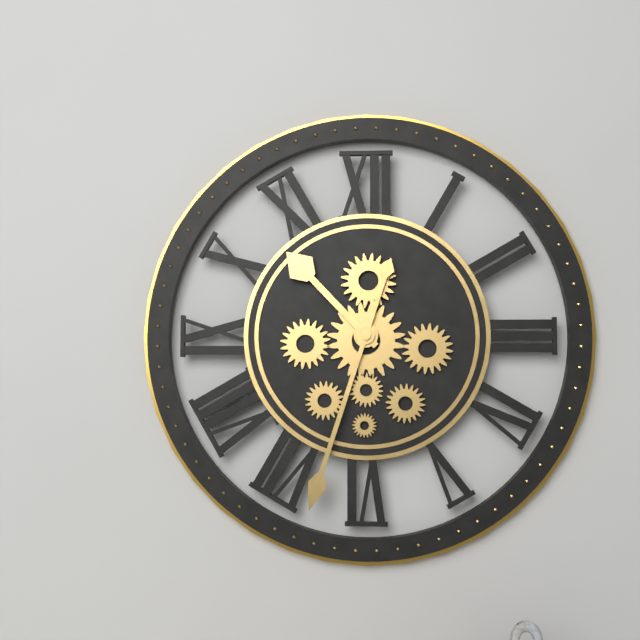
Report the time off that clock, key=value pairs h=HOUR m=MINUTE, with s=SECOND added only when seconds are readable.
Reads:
h=10 m=33
